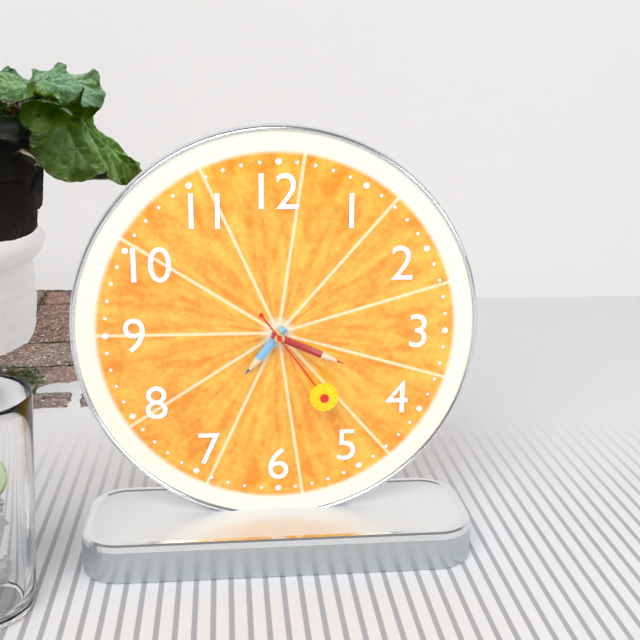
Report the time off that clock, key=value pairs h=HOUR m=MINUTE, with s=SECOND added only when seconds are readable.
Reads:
h=7 m=19 s=24
